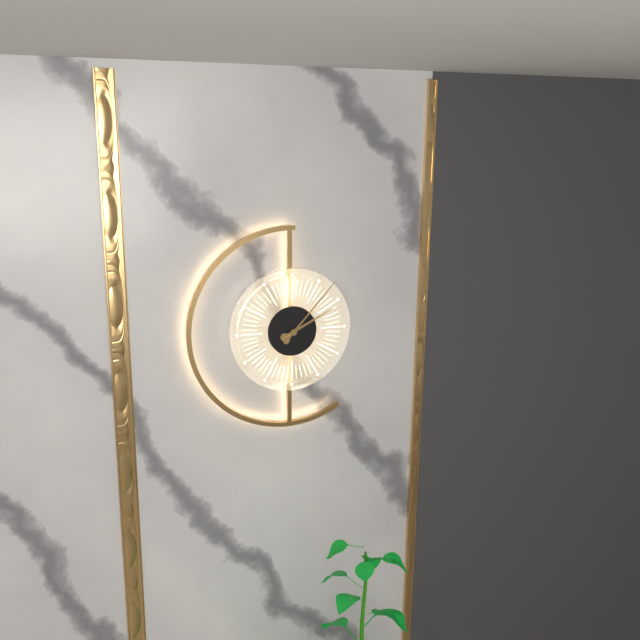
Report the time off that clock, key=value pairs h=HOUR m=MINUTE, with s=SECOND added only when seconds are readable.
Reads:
h=2 m=7
